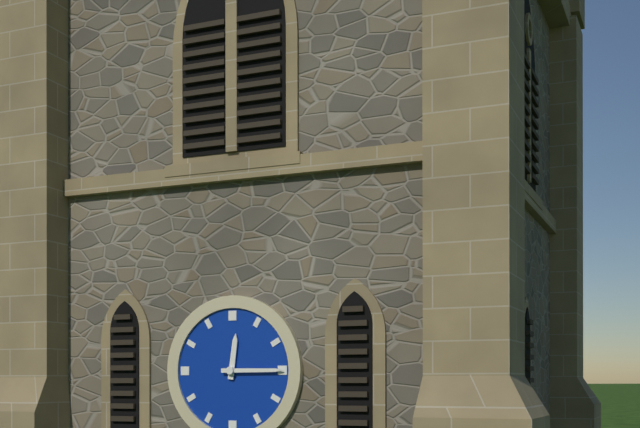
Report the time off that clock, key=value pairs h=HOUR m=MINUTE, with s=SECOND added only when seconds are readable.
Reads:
h=12 m=15
